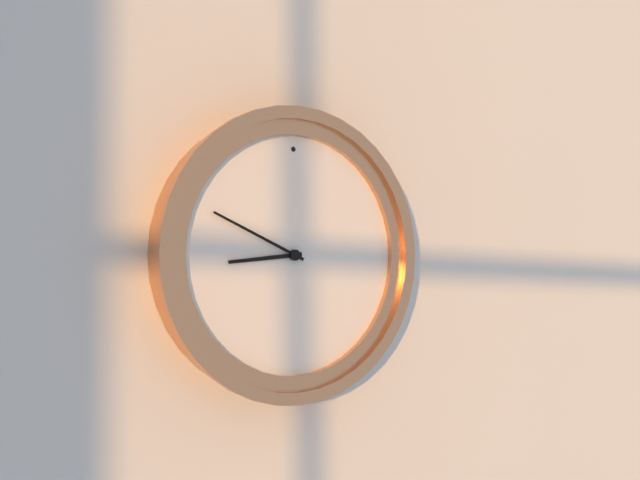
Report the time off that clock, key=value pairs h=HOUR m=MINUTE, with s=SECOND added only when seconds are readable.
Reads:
h=8 m=49
